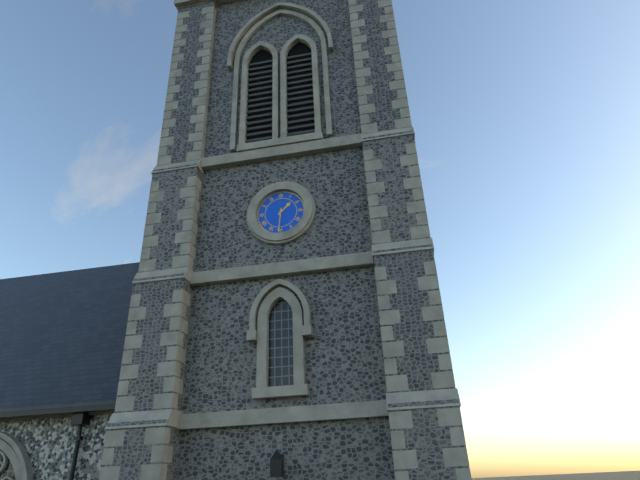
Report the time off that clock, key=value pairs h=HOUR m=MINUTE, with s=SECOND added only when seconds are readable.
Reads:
h=1 m=31
